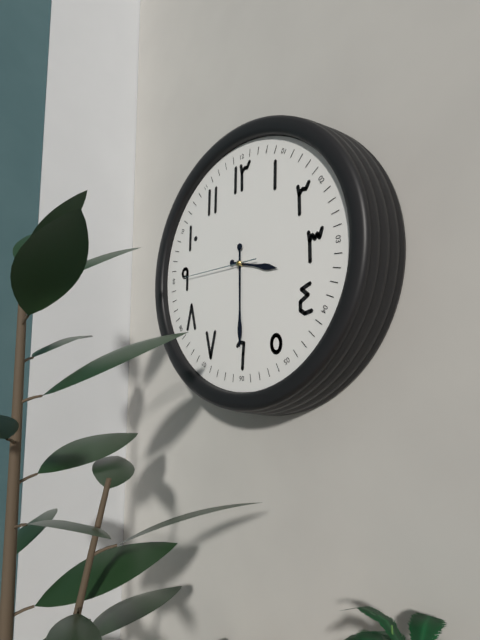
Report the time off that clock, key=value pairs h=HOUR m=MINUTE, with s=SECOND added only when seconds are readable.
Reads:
h=3 m=30 s=45
